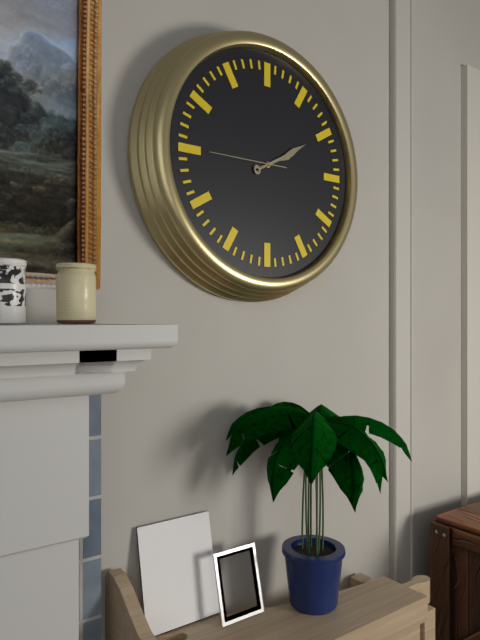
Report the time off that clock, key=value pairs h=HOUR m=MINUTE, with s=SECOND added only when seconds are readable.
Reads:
h=2 m=10 s=45
